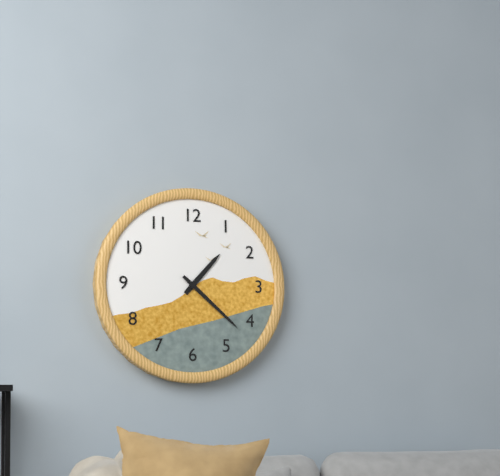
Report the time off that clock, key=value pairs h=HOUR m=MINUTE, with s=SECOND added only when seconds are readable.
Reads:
h=1 m=22
